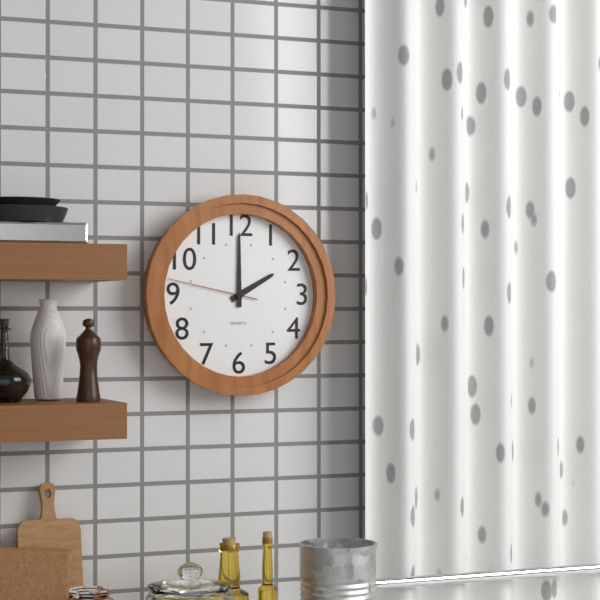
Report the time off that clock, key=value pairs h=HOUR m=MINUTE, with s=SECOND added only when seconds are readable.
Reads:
h=2 m=0 s=47
